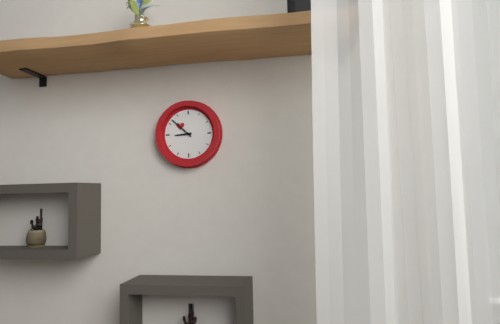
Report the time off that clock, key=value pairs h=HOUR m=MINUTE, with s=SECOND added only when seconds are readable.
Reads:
h=8 m=52
